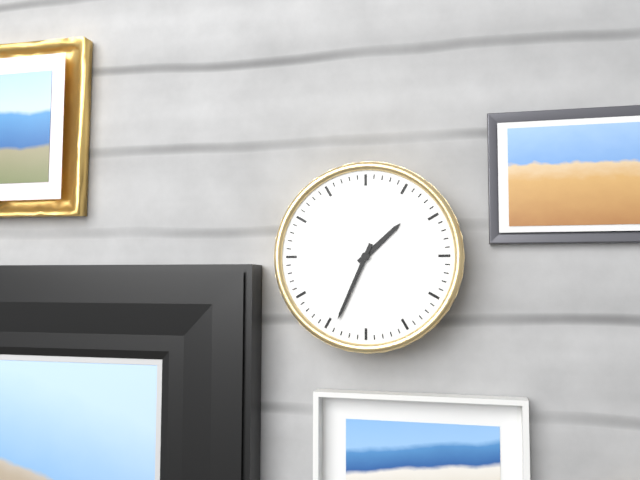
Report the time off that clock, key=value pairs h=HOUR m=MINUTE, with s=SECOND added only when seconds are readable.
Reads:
h=1 m=34
